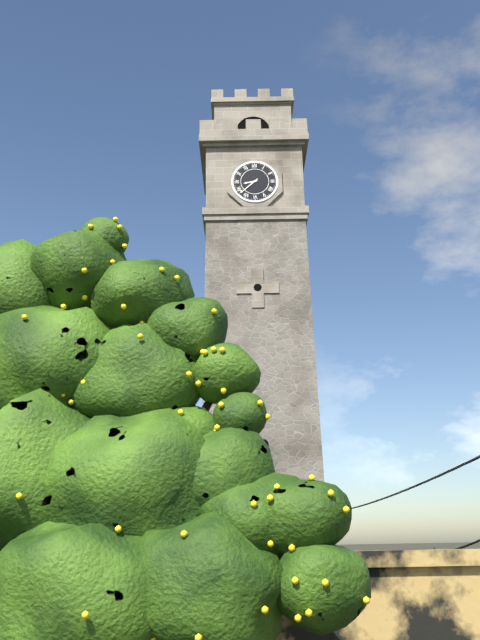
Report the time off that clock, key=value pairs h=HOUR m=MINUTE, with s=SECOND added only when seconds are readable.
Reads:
h=8 m=38
